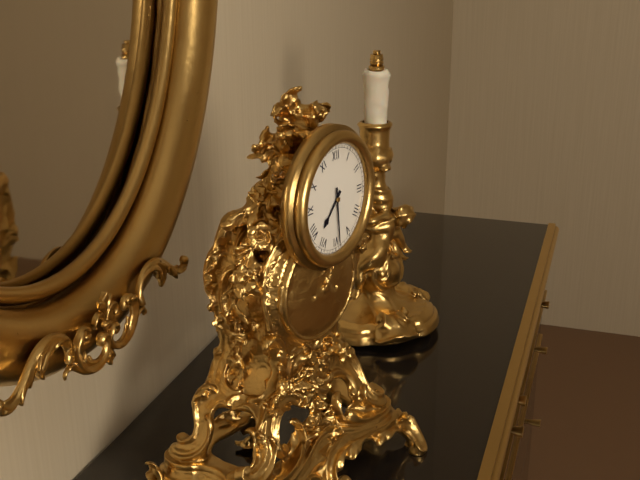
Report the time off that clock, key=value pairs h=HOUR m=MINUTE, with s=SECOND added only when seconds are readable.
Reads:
h=7 m=29
